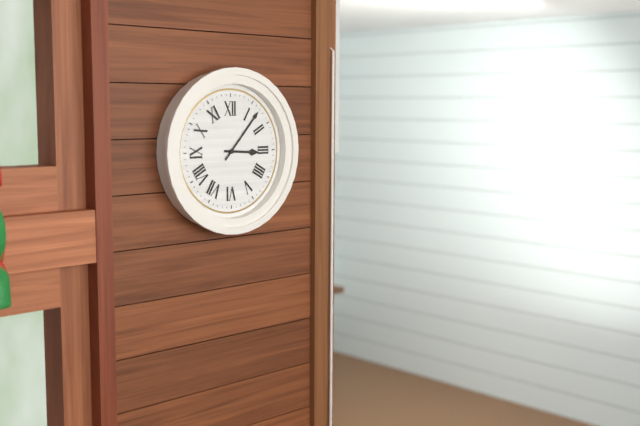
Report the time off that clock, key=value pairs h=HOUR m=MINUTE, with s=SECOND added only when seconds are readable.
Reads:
h=3 m=7
